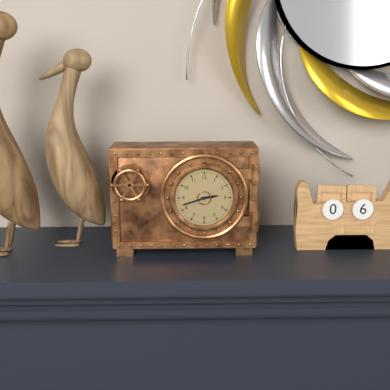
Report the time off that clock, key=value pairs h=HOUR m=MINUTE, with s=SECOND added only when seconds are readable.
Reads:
h=2 m=42
